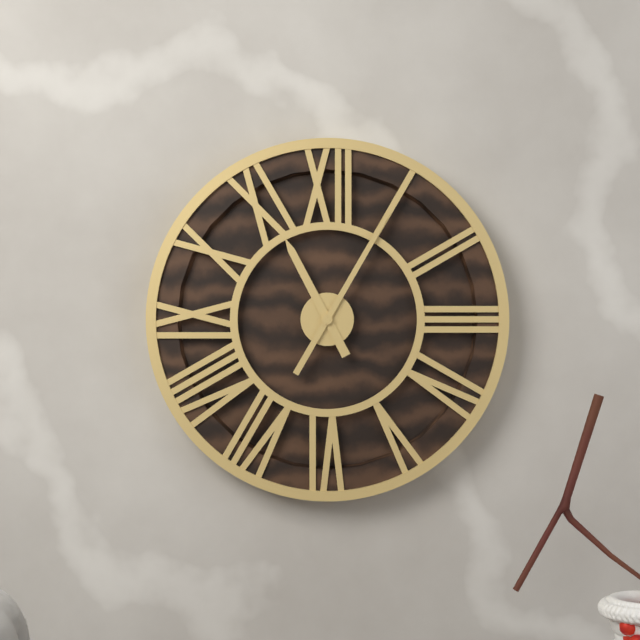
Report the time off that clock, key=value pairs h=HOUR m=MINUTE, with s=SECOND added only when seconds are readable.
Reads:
h=11 m=5
